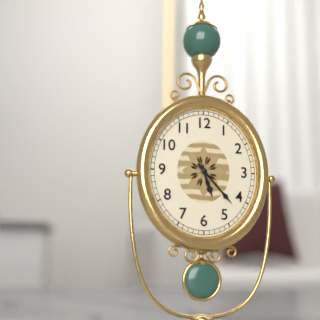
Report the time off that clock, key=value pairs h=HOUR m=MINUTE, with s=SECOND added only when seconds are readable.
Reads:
h=5 m=23
